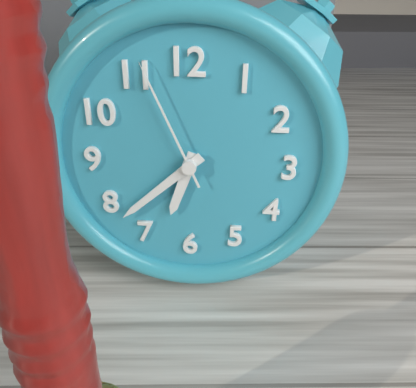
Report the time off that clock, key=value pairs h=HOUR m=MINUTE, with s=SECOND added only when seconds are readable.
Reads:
h=6 m=38 s=56
